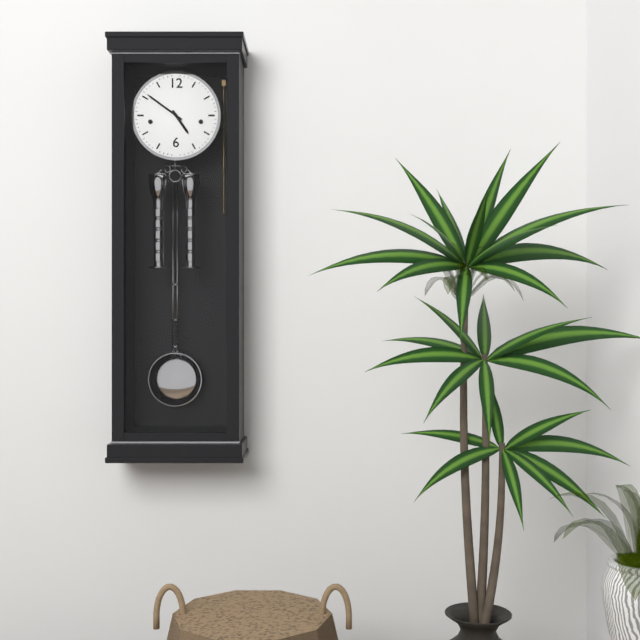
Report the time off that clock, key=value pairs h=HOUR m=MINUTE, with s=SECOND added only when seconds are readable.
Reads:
h=4 m=51
